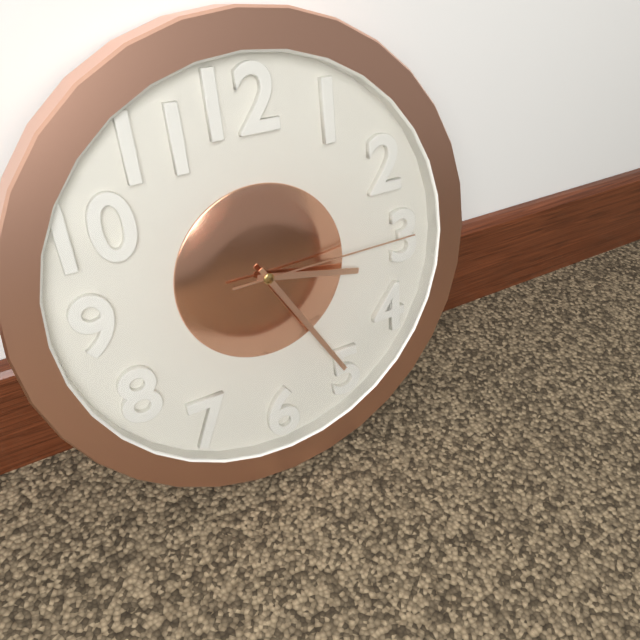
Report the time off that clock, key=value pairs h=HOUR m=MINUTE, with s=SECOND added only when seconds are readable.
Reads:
h=3 m=25 s=15
